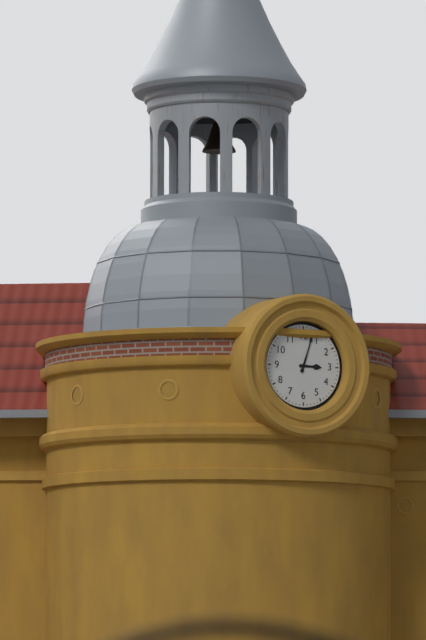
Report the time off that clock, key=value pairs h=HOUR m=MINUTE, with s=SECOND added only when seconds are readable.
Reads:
h=3 m=3
